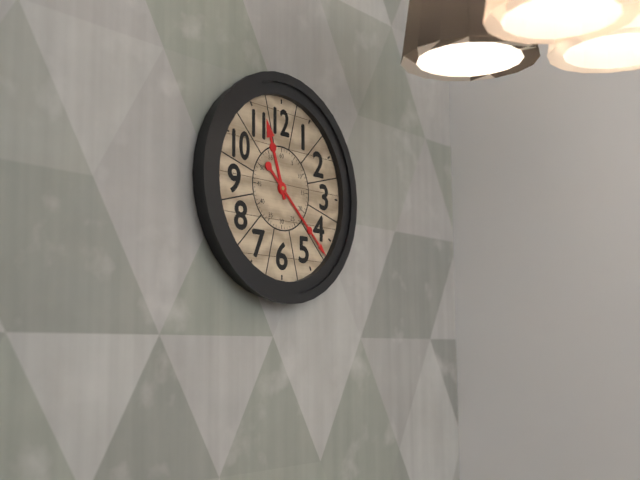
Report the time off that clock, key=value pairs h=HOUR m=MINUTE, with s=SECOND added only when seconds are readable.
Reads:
h=11 m=22
